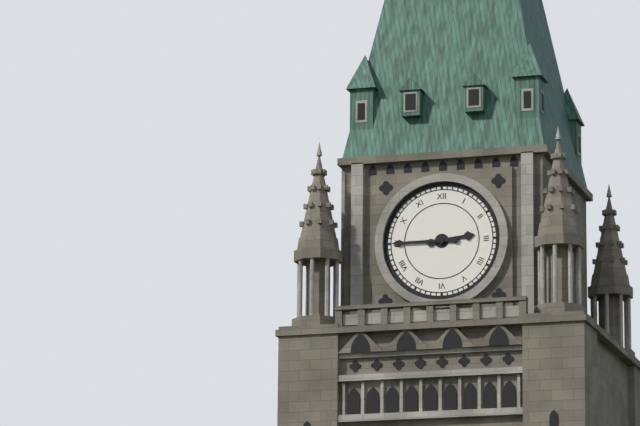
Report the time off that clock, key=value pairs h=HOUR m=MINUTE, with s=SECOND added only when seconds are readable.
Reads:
h=2 m=45
